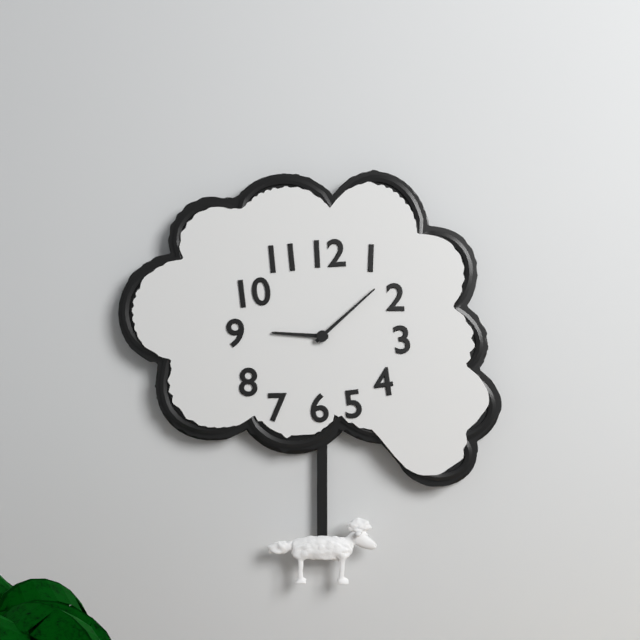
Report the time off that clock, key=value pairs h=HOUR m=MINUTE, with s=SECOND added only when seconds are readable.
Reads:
h=9 m=8
